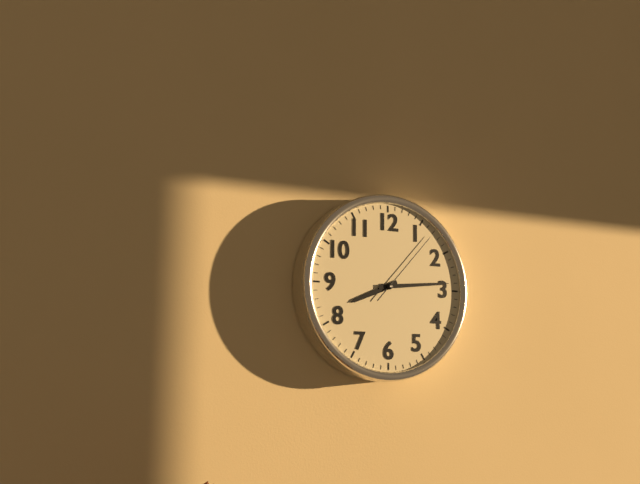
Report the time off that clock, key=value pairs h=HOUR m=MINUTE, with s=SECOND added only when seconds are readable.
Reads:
h=8 m=14 s=7
